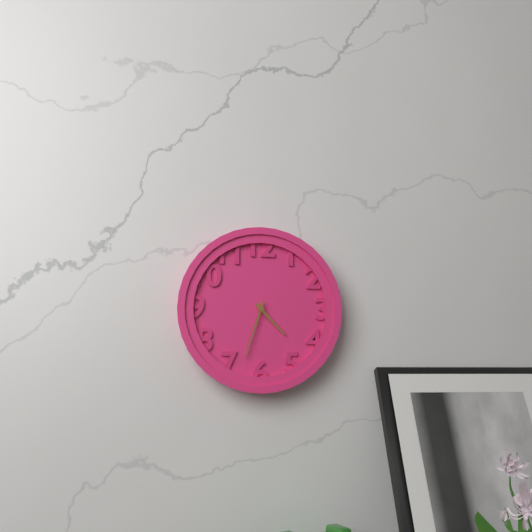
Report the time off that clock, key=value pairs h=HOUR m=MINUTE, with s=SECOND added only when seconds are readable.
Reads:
h=4 m=33
